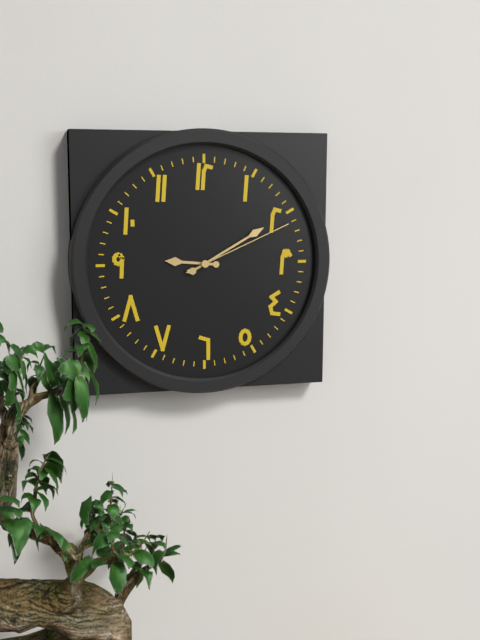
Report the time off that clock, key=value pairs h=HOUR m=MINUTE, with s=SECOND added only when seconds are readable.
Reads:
h=9 m=10 s=11
